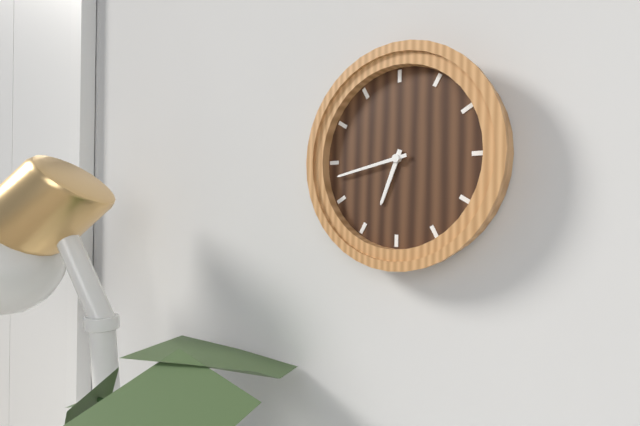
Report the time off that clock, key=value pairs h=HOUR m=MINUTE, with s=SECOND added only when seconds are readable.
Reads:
h=6 m=43
